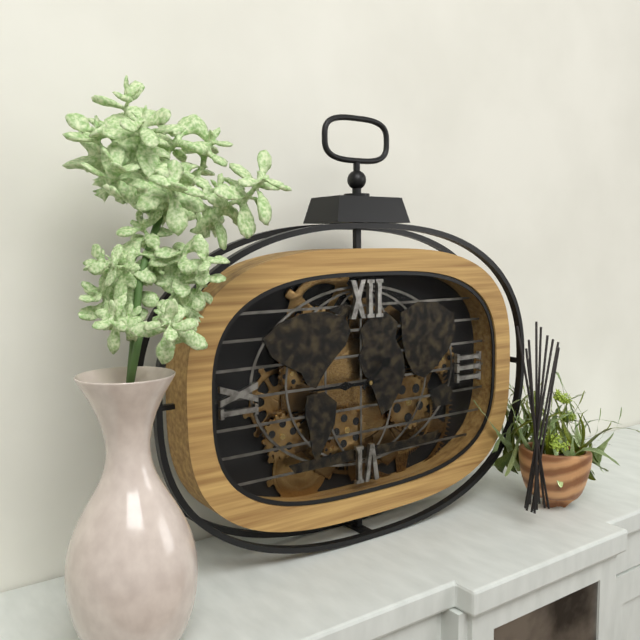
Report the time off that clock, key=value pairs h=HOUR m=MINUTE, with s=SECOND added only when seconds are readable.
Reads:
h=1 m=45
